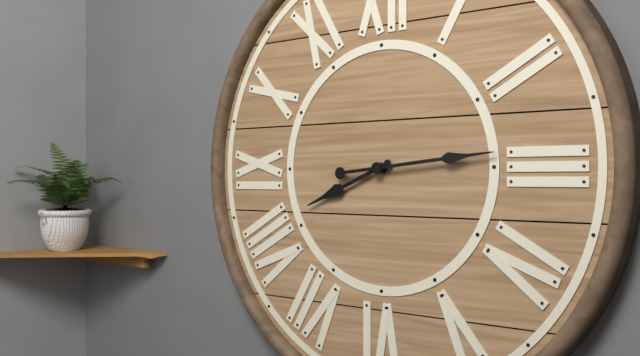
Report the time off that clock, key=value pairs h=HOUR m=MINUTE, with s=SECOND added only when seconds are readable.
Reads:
h=8 m=14
